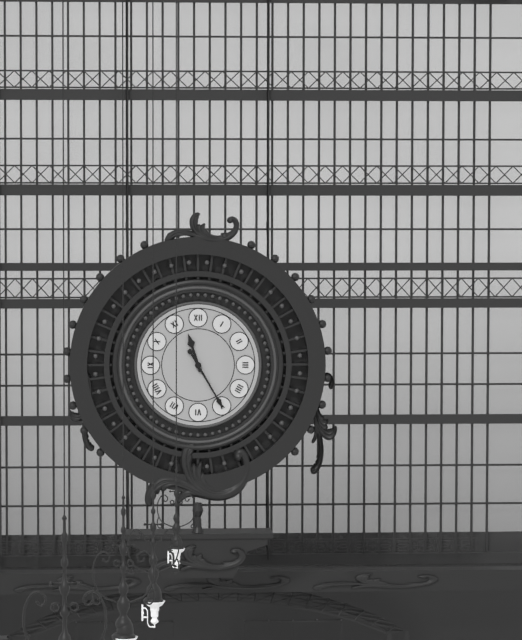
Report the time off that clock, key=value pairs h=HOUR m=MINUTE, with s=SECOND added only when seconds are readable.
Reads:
h=11 m=25
